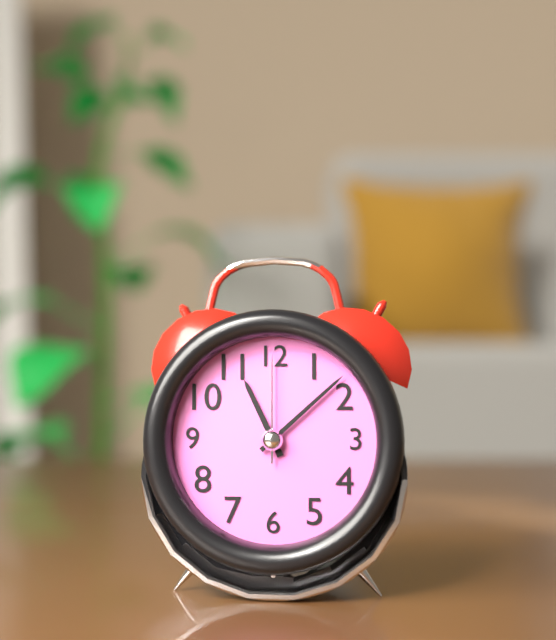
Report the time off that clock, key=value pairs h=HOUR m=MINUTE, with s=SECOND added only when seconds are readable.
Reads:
h=11 m=8 s=0
